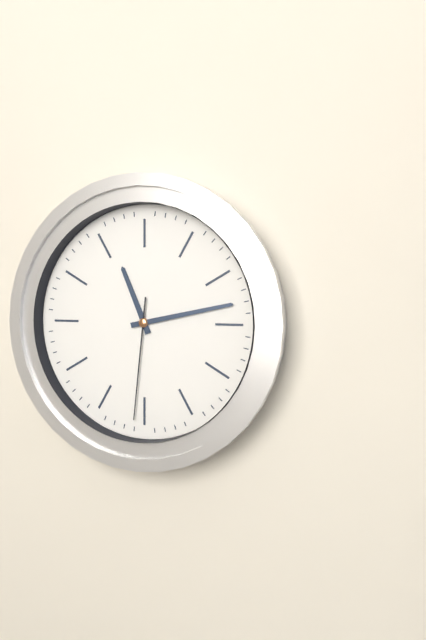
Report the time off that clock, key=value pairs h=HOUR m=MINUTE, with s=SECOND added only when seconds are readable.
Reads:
h=11 m=13 s=31
